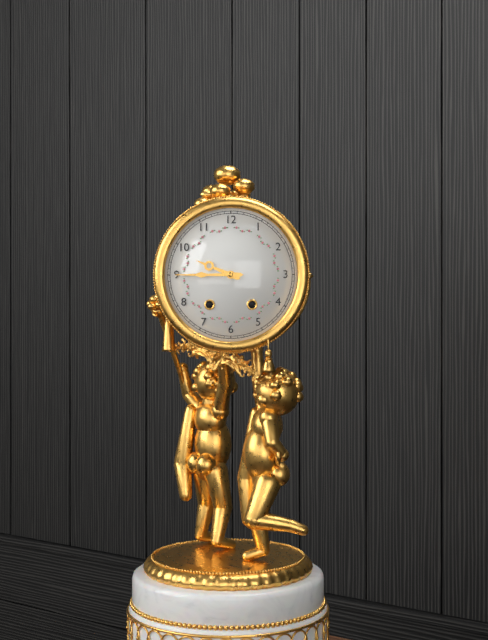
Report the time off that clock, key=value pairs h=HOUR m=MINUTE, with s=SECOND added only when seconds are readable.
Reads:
h=9 m=45
